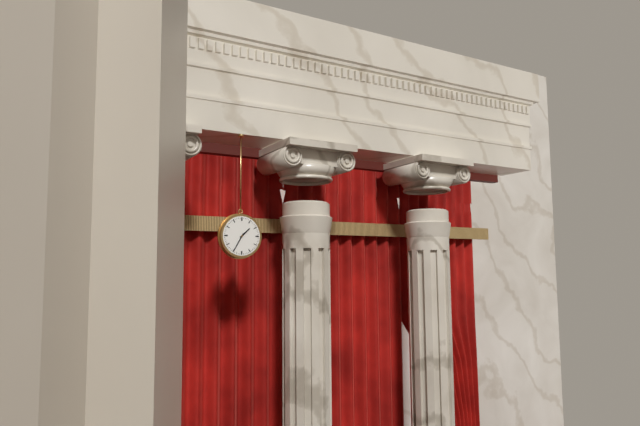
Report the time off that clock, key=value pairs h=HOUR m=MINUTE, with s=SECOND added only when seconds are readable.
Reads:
h=1 m=35
